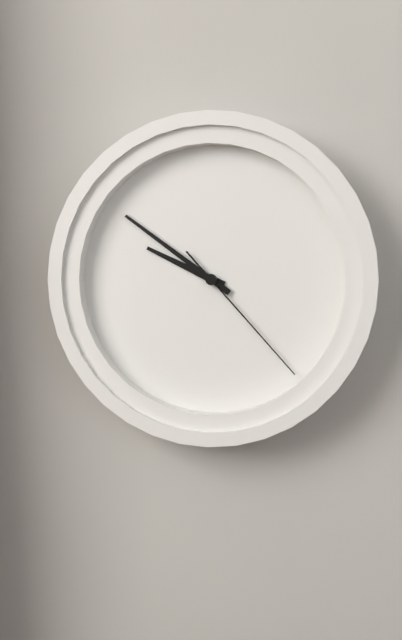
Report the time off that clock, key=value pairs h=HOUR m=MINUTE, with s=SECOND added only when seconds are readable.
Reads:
h=9 m=51 s=23
